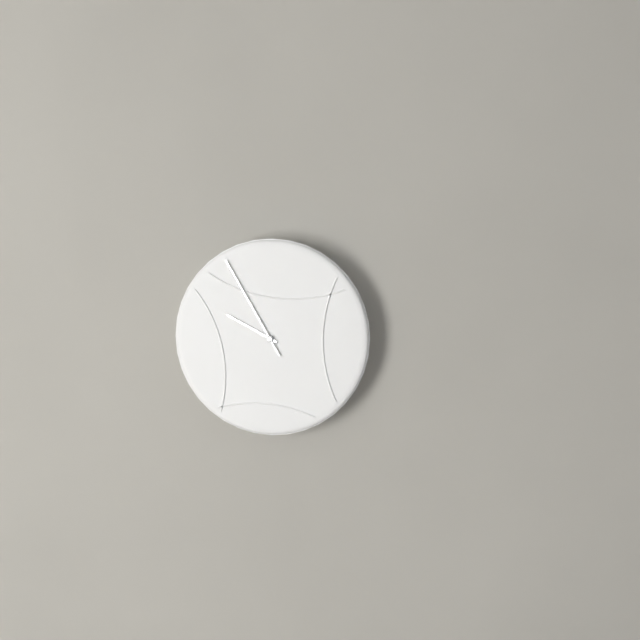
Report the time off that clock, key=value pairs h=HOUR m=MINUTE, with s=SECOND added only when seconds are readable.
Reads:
h=9 m=55
